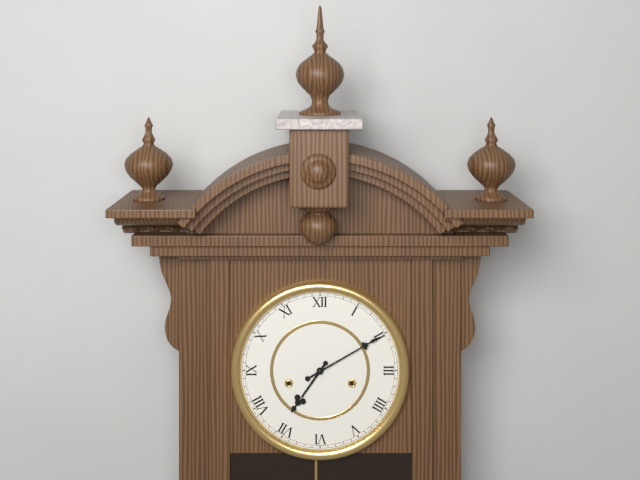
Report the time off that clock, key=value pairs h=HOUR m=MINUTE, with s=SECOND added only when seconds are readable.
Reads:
h=7 m=10
